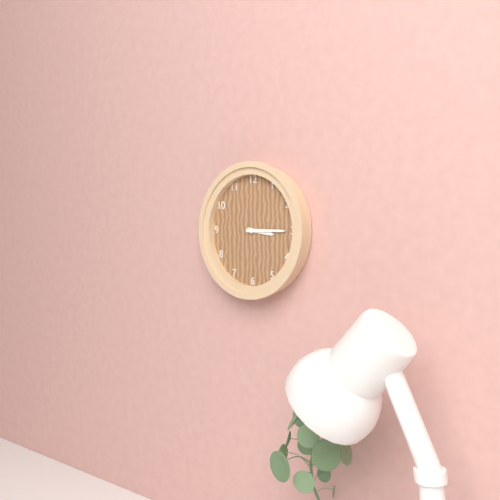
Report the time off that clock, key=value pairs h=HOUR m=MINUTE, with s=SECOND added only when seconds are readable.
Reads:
h=3 m=15
